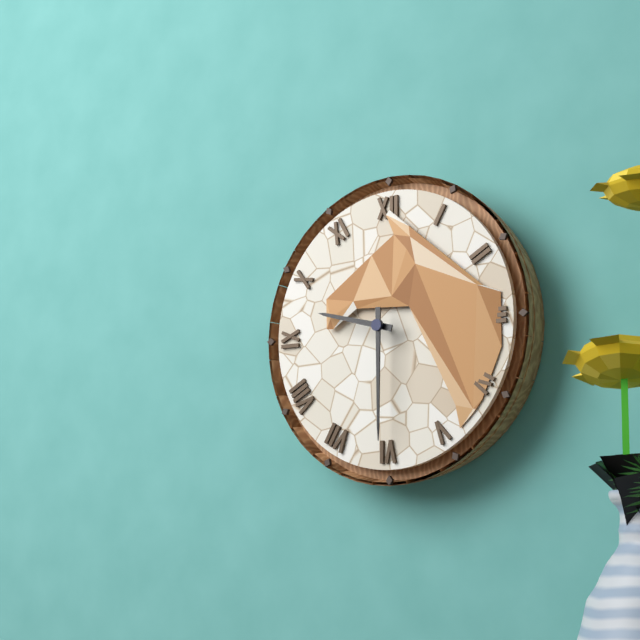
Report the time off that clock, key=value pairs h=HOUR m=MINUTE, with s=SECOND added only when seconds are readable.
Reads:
h=9 m=30
